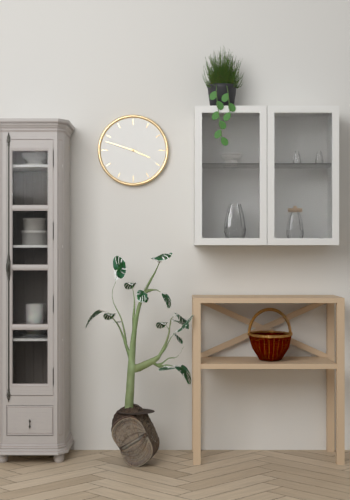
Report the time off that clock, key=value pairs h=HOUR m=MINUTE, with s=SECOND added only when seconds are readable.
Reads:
h=3 m=48
